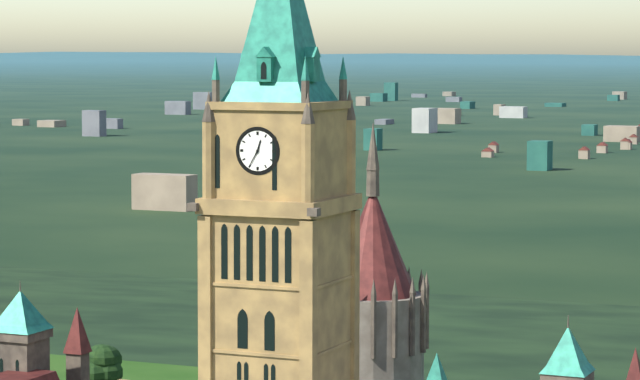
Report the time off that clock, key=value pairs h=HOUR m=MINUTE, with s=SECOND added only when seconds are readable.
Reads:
h=12 m=35
